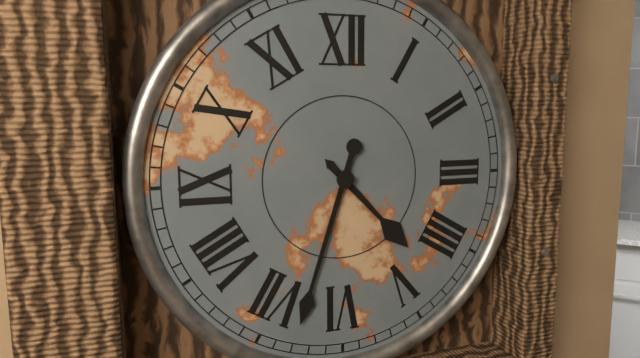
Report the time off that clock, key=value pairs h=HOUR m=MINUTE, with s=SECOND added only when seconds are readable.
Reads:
h=4 m=33
